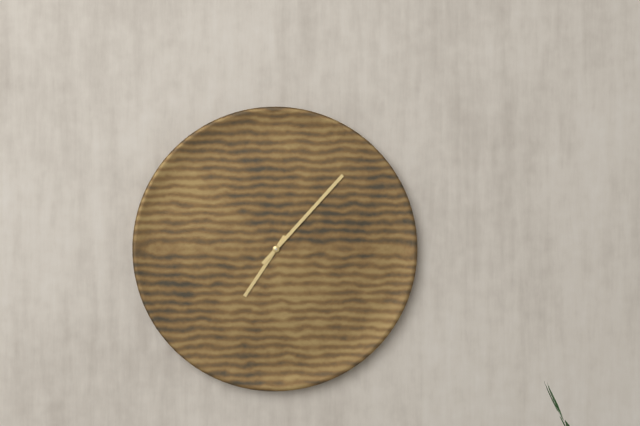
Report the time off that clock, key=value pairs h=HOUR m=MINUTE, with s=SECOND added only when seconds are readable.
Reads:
h=7 m=7
